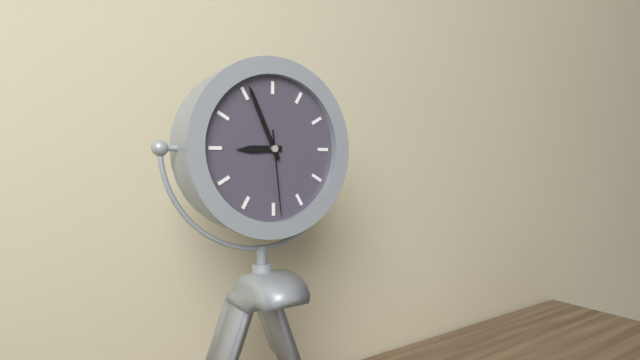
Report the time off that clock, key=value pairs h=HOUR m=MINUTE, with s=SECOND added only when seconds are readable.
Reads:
h=8 m=56 s=29
